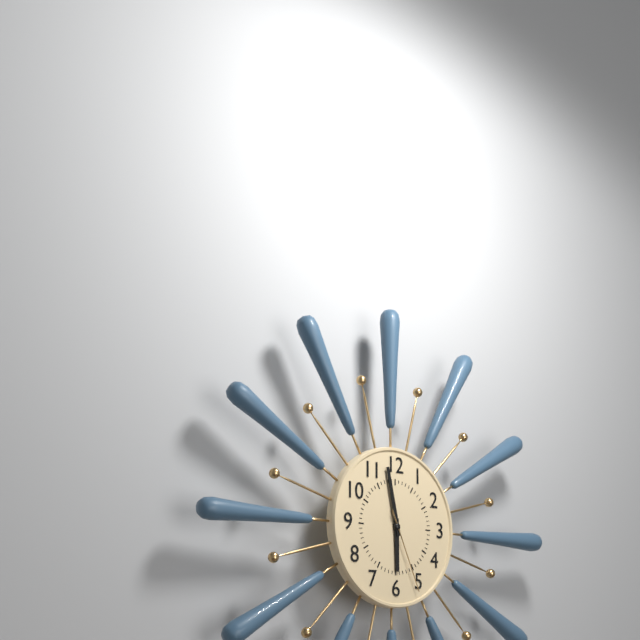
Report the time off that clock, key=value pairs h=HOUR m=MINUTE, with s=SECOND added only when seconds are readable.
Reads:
h=5 m=58 s=26
